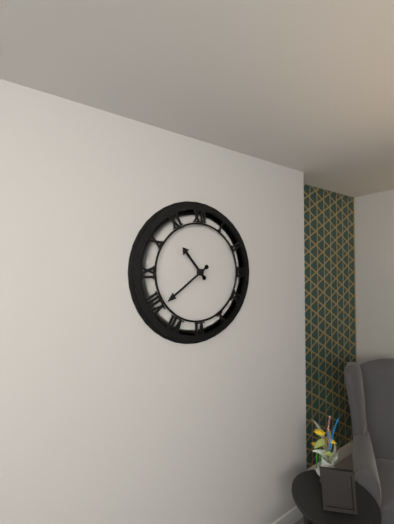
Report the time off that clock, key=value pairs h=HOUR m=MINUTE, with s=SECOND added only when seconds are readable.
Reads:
h=10 m=39
